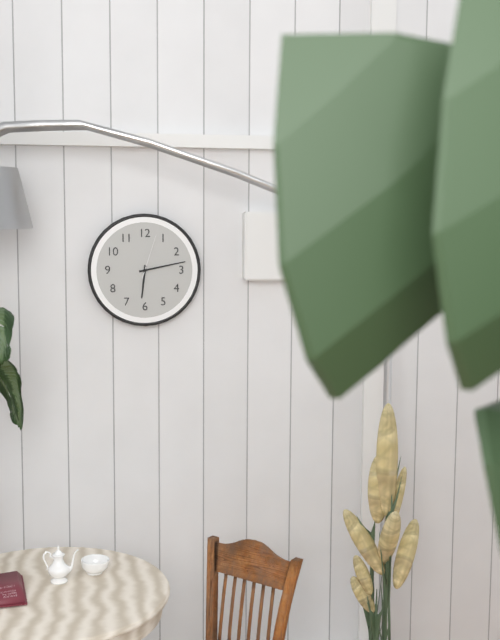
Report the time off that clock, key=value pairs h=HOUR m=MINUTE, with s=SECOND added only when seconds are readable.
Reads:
h=6 m=13
